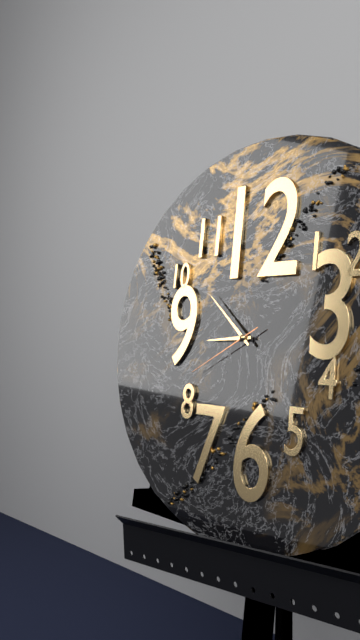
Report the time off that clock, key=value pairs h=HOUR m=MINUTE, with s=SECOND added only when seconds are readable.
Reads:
h=8 m=52 s=40
